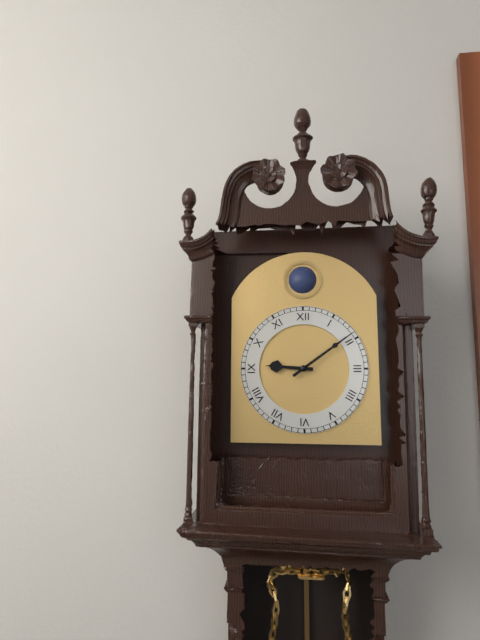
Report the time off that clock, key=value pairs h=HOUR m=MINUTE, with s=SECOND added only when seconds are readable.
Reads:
h=9 m=9
